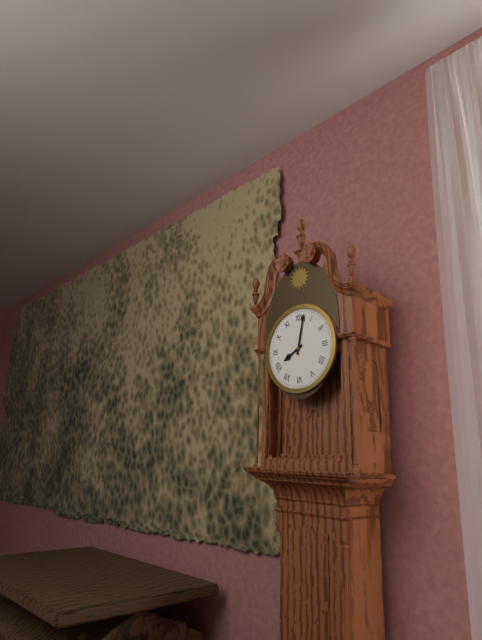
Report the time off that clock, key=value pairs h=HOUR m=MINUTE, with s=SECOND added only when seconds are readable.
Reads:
h=8 m=2
